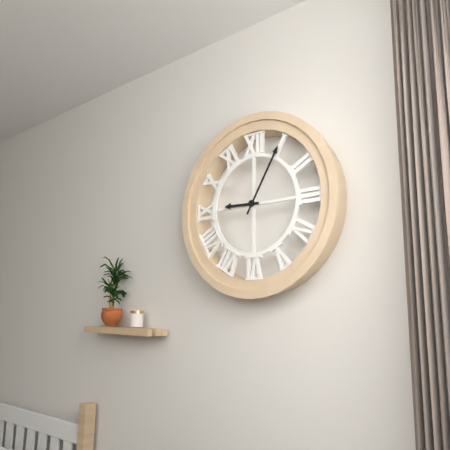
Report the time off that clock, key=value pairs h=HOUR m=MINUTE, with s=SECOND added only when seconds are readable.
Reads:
h=9 m=5
